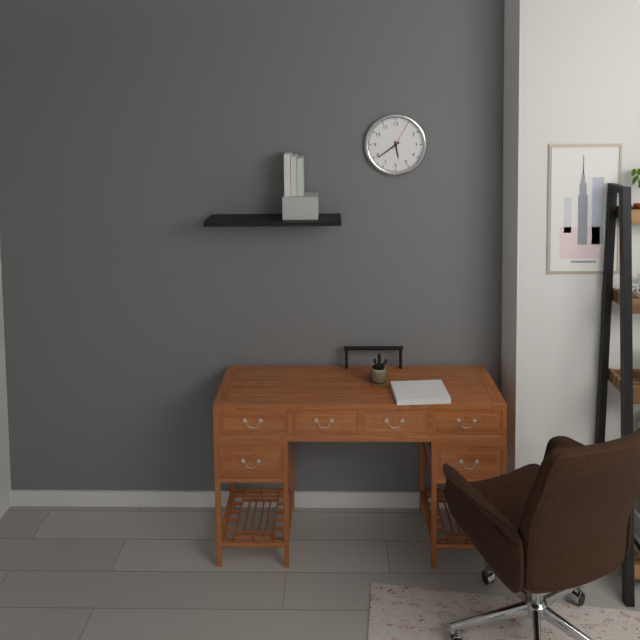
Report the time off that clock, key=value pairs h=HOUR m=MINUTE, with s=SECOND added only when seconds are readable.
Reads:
h=5 m=39
